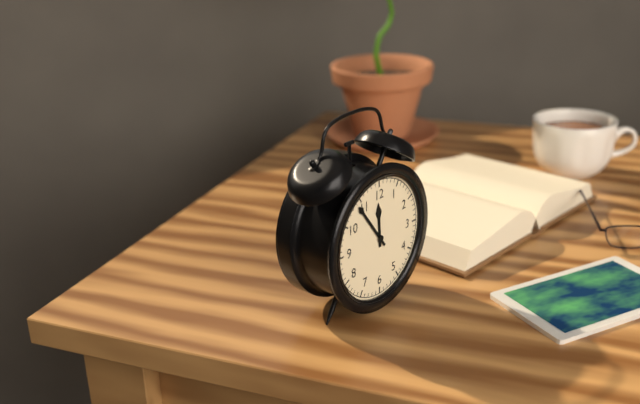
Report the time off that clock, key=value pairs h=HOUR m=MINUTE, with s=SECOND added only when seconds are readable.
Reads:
h=11 m=54
